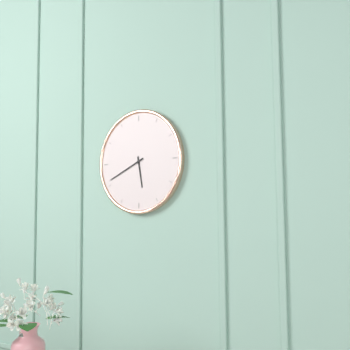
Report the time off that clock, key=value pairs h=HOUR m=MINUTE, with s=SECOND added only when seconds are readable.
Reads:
h=5 m=41
